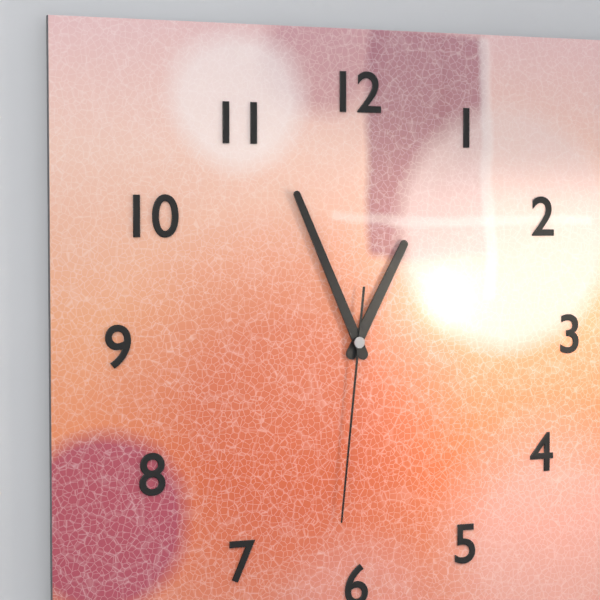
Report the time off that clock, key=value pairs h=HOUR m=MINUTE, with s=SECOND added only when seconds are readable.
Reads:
h=12 m=56 s=31
